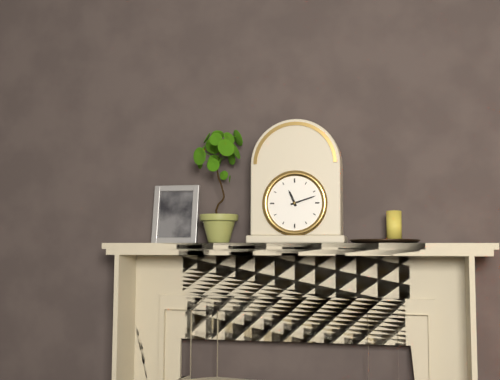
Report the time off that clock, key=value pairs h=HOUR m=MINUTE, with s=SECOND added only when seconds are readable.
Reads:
h=11 m=12
